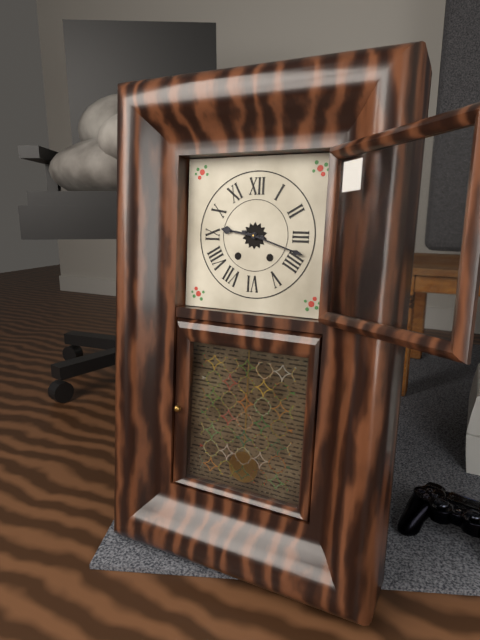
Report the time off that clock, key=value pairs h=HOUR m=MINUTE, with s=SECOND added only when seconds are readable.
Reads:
h=9 m=18
